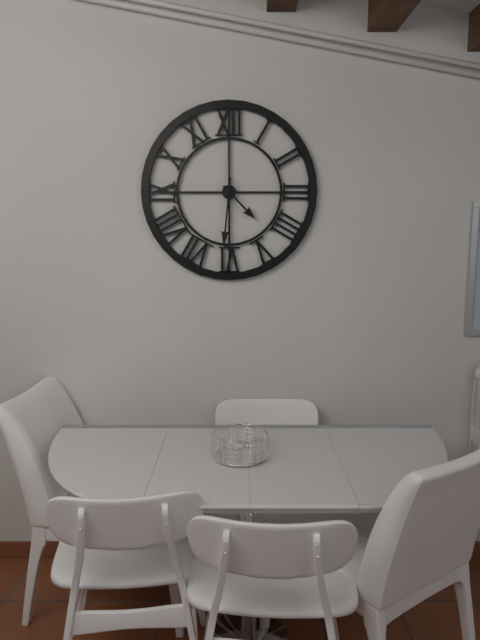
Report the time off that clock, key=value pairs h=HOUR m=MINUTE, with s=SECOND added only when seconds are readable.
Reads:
h=4 m=31
